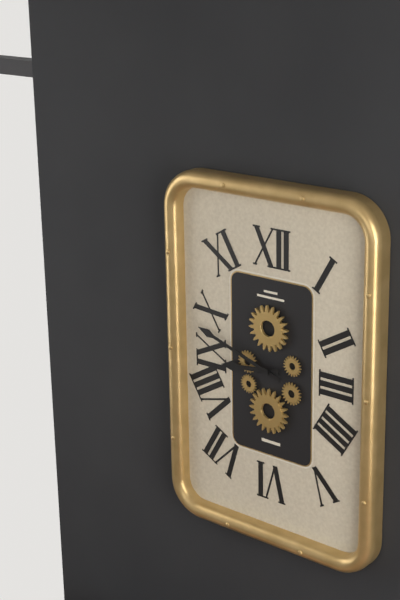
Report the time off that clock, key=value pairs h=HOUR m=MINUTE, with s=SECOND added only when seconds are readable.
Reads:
h=8 m=48
